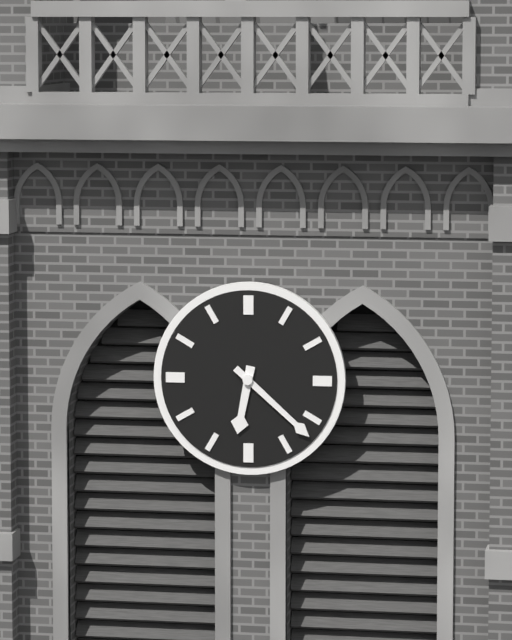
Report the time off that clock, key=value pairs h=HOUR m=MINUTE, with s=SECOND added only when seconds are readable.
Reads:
h=6 m=22
